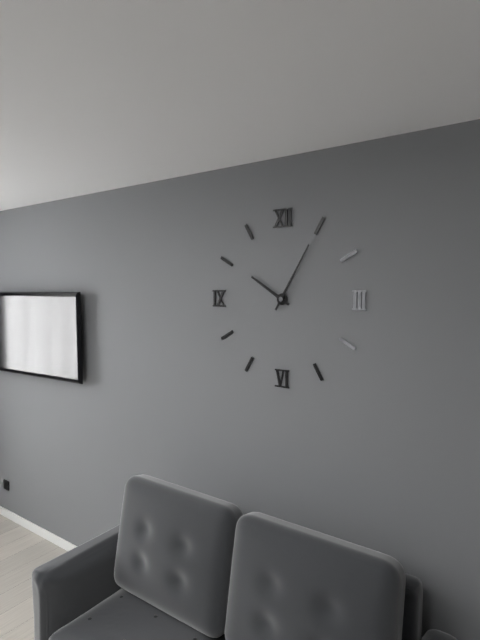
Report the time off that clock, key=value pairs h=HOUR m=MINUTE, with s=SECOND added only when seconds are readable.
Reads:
h=10 m=5
